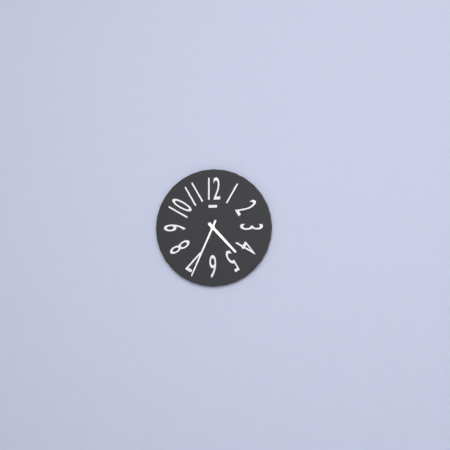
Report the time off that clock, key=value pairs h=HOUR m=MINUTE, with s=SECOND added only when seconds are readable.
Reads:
h=4 m=34
